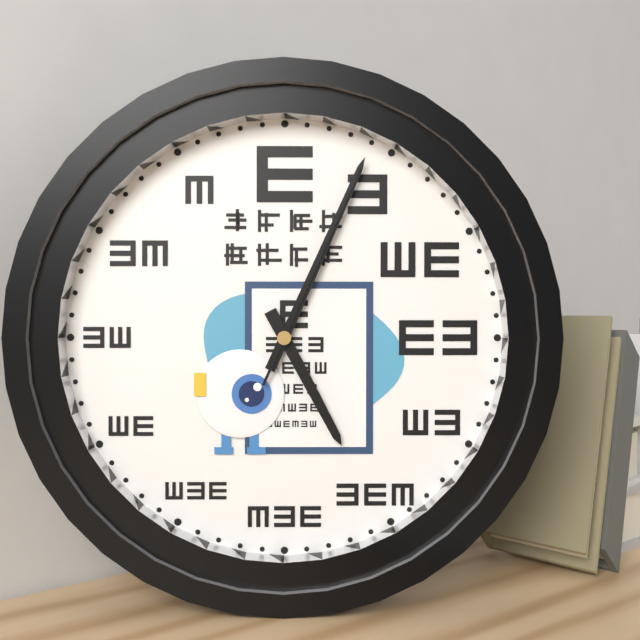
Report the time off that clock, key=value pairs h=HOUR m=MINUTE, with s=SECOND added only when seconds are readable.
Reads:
h=5 m=4 s=4
